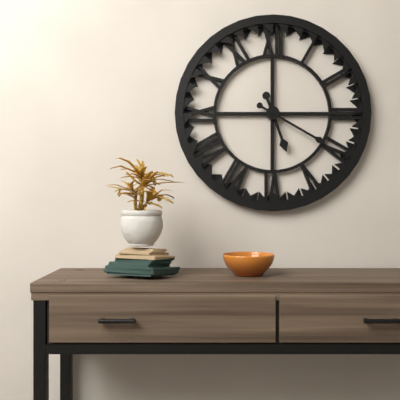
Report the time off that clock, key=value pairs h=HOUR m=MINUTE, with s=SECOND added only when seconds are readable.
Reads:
h=5 m=20
